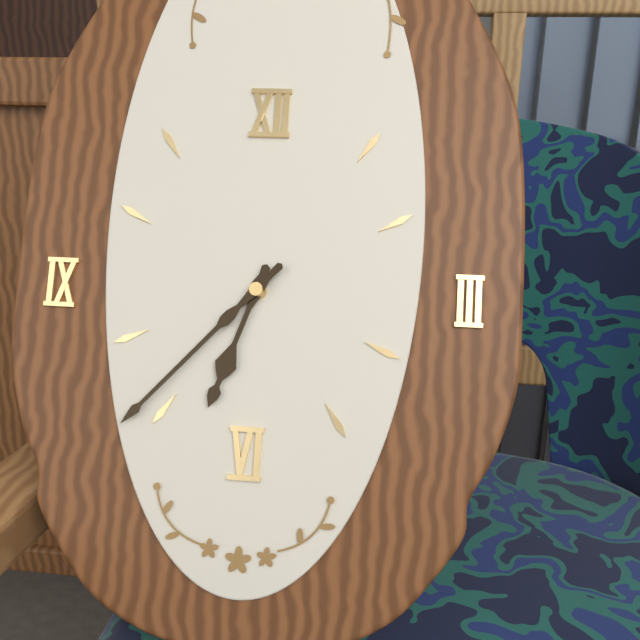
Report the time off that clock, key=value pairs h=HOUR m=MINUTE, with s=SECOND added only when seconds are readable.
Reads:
h=6 m=37
